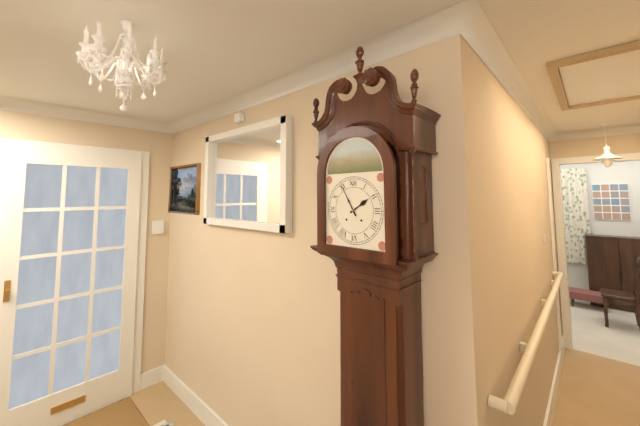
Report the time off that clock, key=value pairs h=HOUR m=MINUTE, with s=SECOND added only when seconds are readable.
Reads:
h=1 m=55
